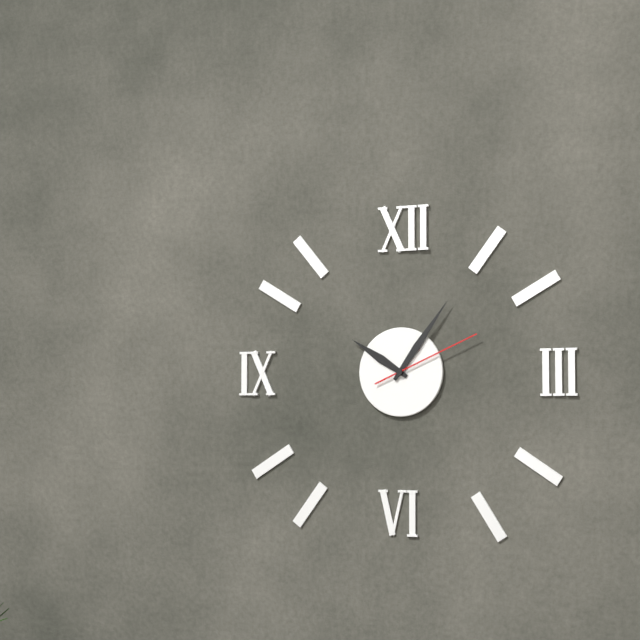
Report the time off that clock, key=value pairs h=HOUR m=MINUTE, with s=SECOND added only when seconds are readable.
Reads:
h=10 m=6 s=11
